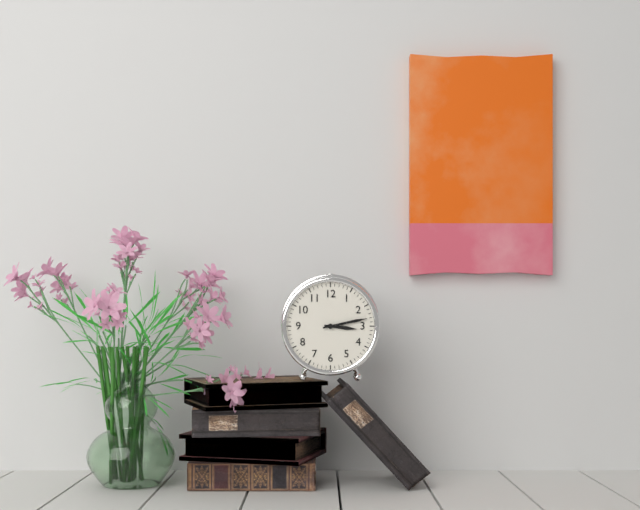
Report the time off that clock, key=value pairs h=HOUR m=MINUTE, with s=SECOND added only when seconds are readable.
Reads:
h=3 m=13
